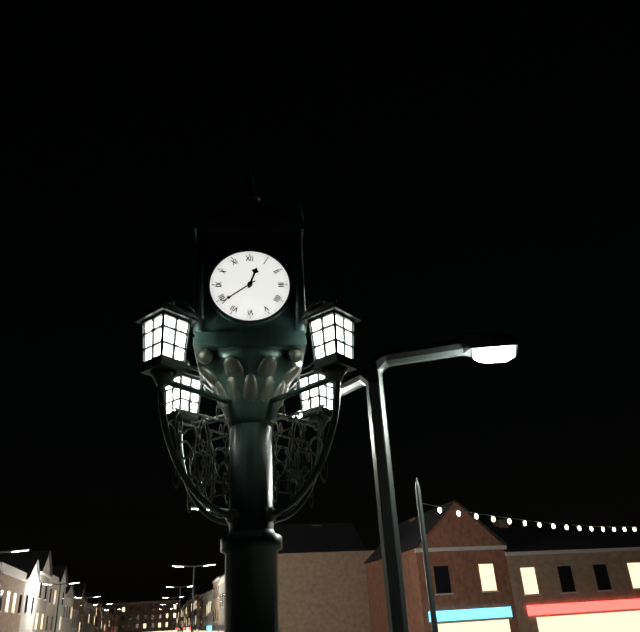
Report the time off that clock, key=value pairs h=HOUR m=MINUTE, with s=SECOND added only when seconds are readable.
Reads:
h=12 m=39
